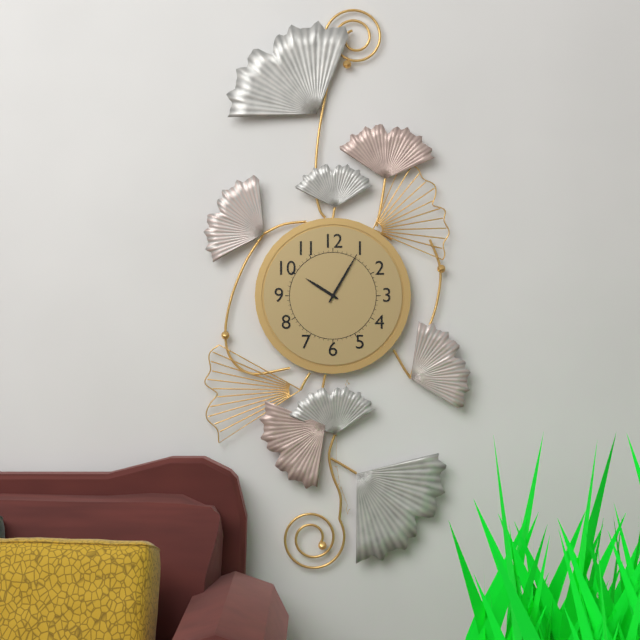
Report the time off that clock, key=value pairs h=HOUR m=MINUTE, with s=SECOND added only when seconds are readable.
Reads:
h=10 m=5
